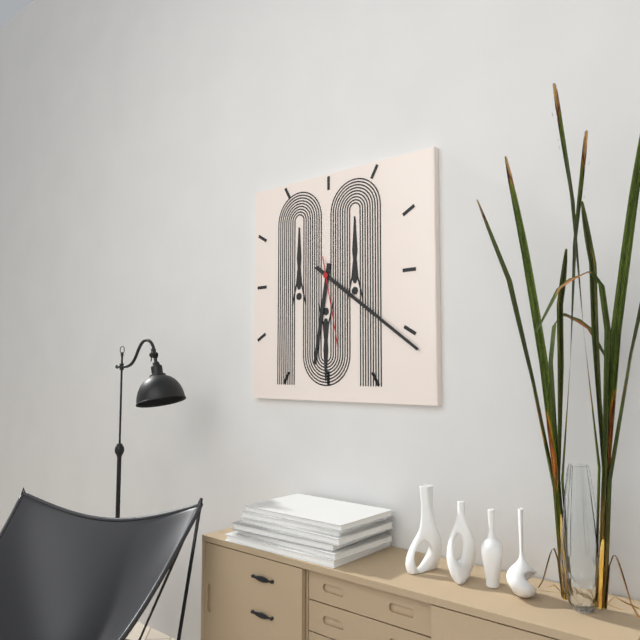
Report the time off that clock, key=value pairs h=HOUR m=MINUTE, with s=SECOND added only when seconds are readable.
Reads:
h=6 m=21 s=28
